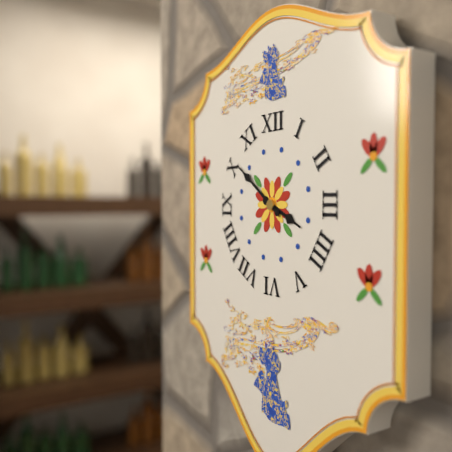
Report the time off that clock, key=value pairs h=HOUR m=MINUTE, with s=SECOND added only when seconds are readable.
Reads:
h=3 m=51
